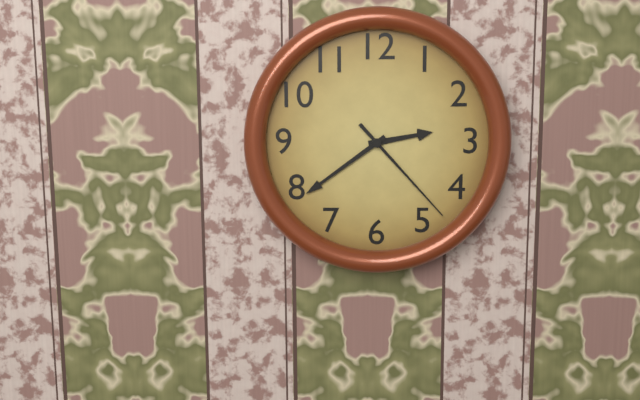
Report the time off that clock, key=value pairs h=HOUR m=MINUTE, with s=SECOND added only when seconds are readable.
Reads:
h=2 m=39 s=23
